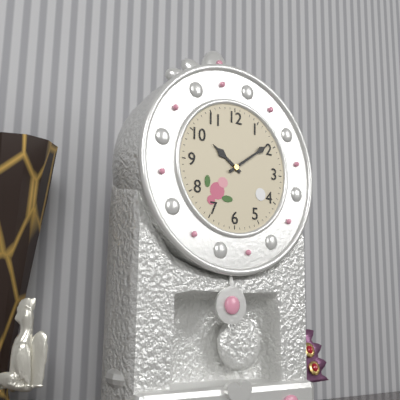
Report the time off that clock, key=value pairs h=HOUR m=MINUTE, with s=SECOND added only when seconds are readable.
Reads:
h=10 m=9
